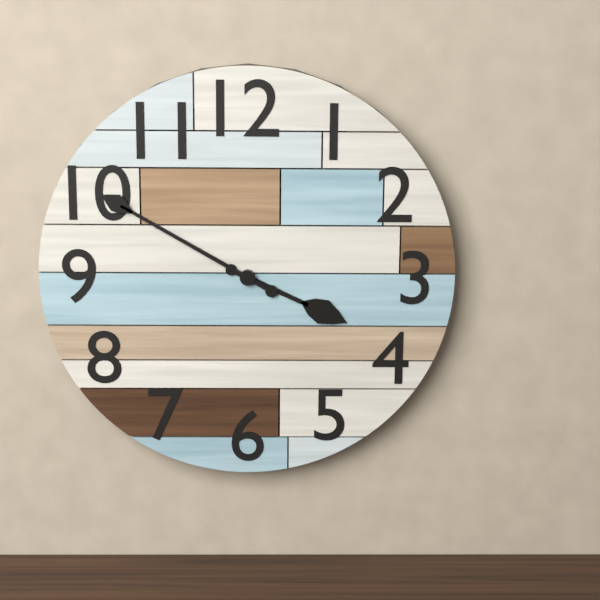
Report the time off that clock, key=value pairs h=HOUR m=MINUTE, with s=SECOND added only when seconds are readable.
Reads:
h=3 m=50
